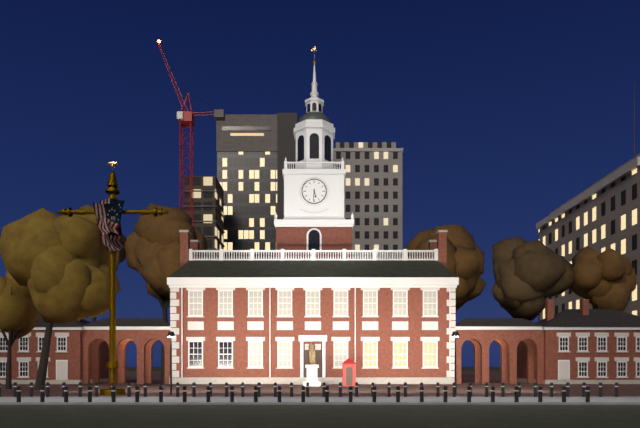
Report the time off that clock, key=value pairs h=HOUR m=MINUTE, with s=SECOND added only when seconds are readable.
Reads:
h=5 m=31
